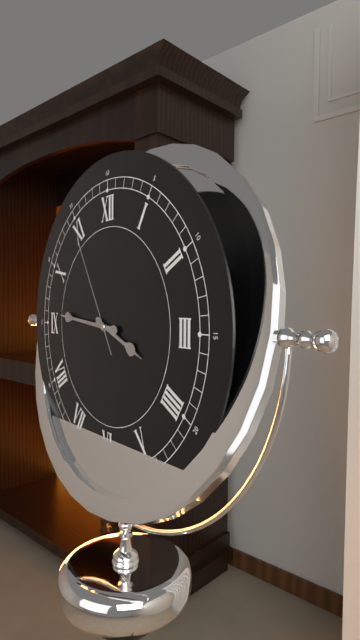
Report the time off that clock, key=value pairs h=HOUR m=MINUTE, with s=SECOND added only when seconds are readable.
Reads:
h=3 m=46 s=55
